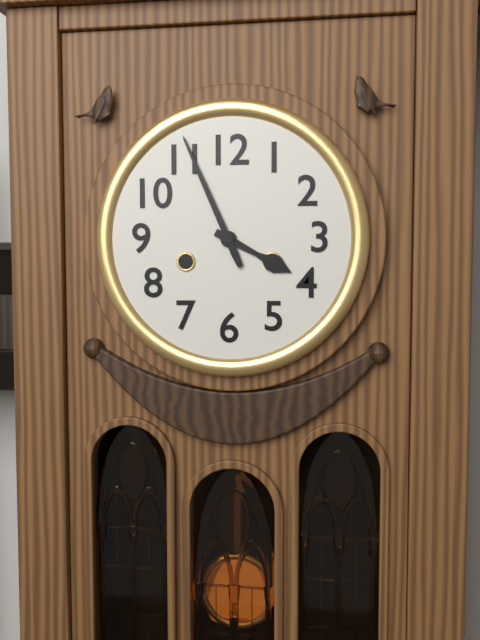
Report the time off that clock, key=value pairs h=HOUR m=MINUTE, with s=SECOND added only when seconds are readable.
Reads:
h=3 m=56
